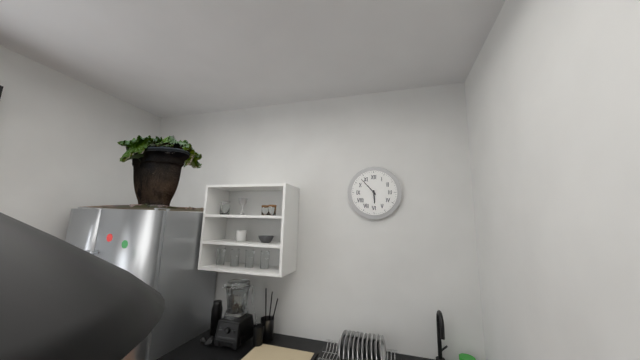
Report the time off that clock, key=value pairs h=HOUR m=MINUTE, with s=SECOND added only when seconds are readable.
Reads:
h=5 m=53
